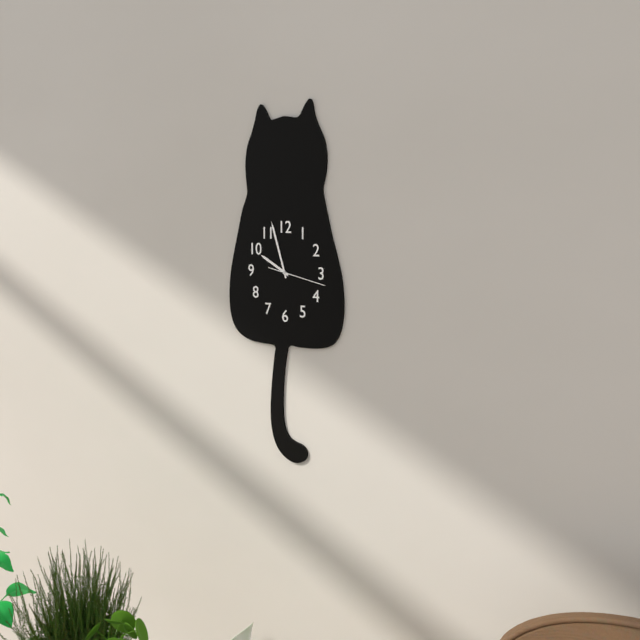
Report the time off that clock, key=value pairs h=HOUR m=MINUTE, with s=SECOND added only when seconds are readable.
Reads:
h=9 m=57 s=17
